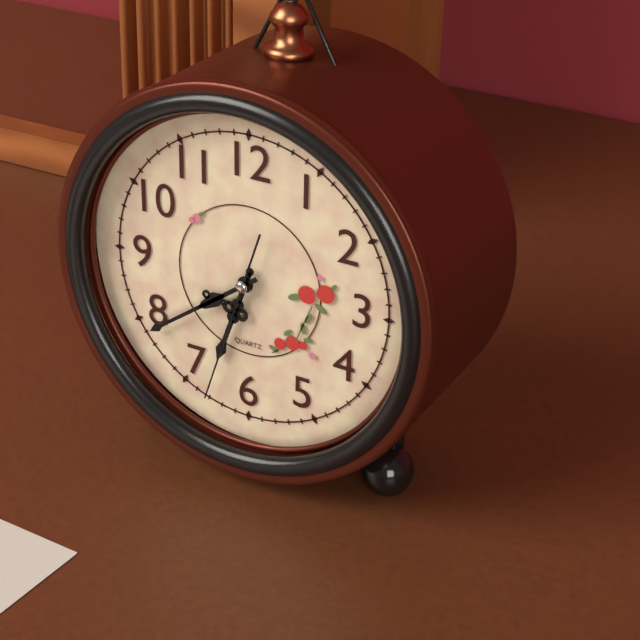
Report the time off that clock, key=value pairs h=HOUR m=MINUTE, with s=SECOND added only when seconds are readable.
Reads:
h=6 m=39 s=33
